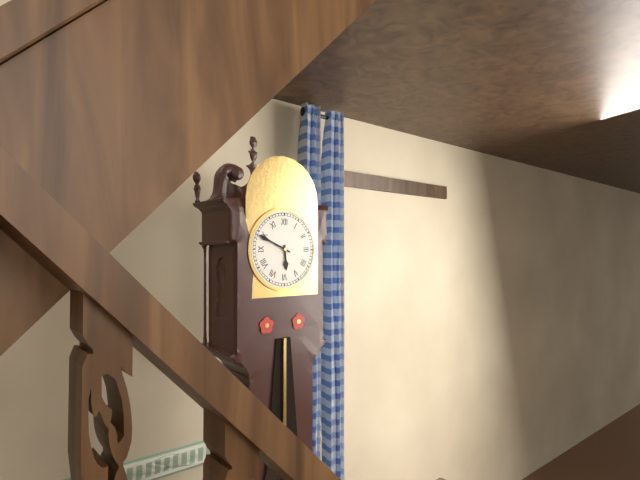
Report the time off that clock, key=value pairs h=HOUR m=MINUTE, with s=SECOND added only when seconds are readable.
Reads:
h=5 m=49
